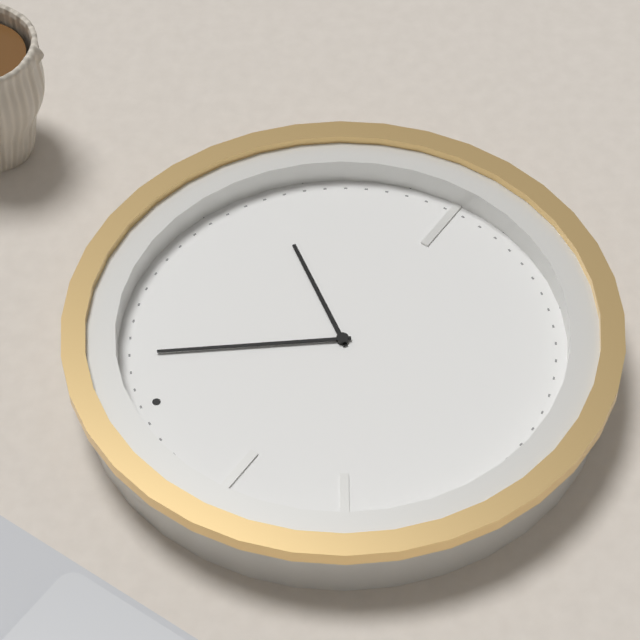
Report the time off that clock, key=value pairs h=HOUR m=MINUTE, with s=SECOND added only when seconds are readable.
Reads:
h=3 m=3
